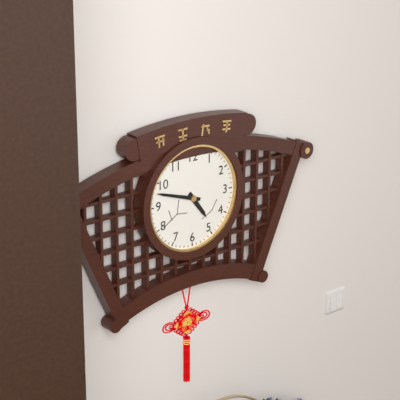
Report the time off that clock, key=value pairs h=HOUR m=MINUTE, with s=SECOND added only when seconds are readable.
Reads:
h=4 m=48
